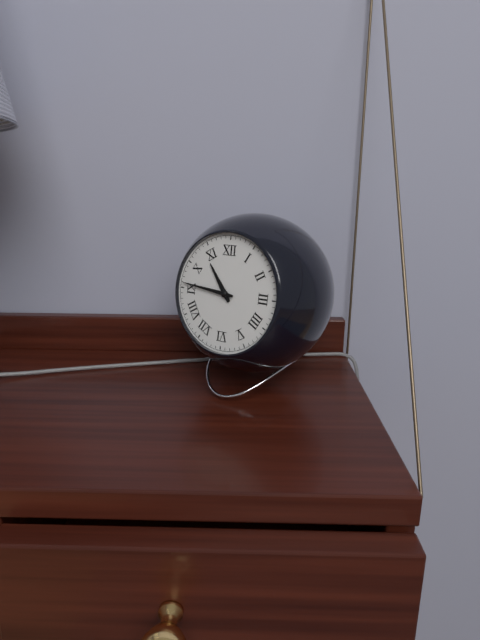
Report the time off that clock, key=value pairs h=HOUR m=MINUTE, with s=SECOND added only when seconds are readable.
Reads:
h=10 m=46
